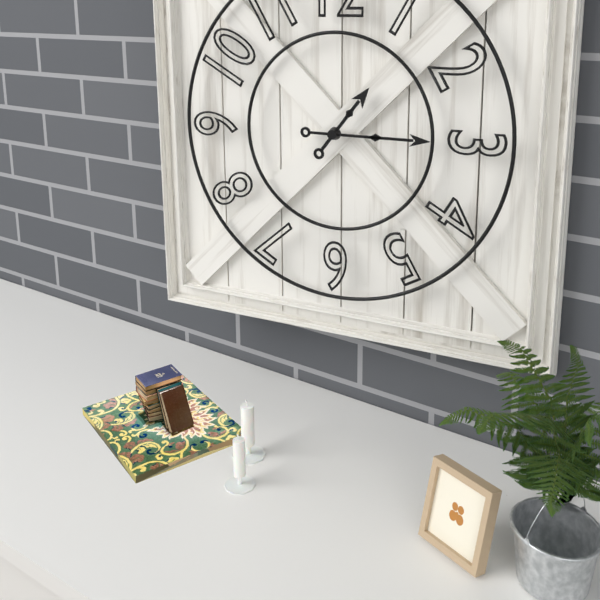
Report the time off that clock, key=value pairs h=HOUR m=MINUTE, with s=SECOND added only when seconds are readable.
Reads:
h=1 m=15
